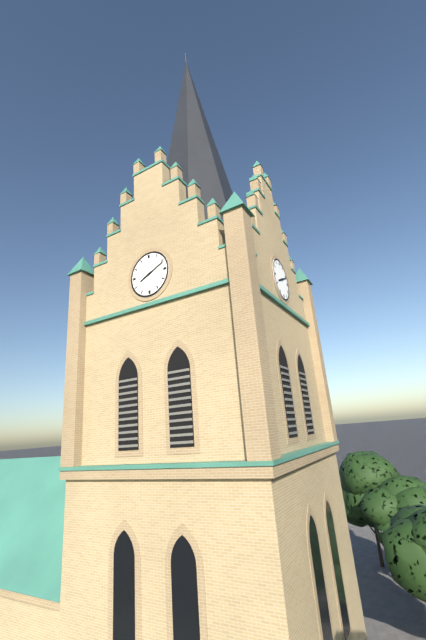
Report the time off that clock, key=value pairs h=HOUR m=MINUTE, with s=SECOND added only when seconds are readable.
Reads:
h=8 m=11
